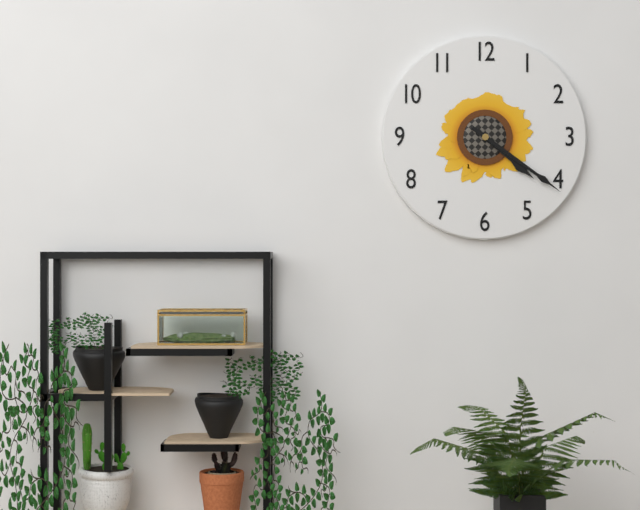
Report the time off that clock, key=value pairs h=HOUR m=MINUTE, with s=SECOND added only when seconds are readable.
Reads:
h=4 m=21
